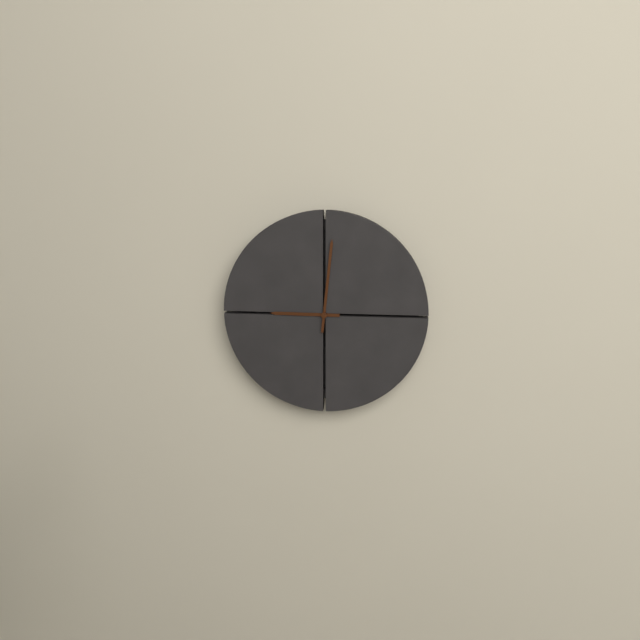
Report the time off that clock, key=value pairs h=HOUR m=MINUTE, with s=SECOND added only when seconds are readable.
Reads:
h=9 m=1
